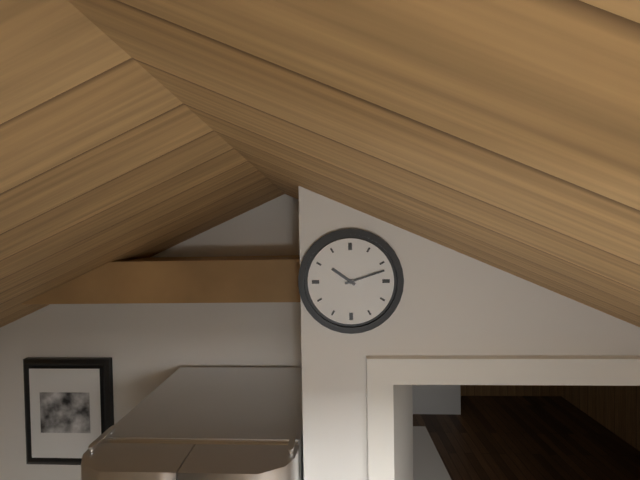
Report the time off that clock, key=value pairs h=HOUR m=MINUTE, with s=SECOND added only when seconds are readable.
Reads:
h=10 m=12
